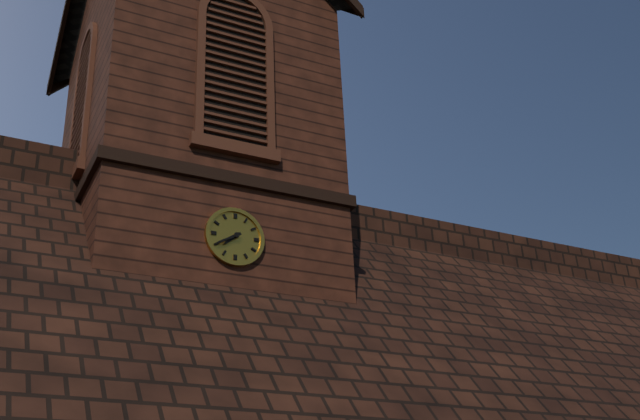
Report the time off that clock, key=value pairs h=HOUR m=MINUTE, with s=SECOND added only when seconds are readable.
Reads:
h=7 m=40
